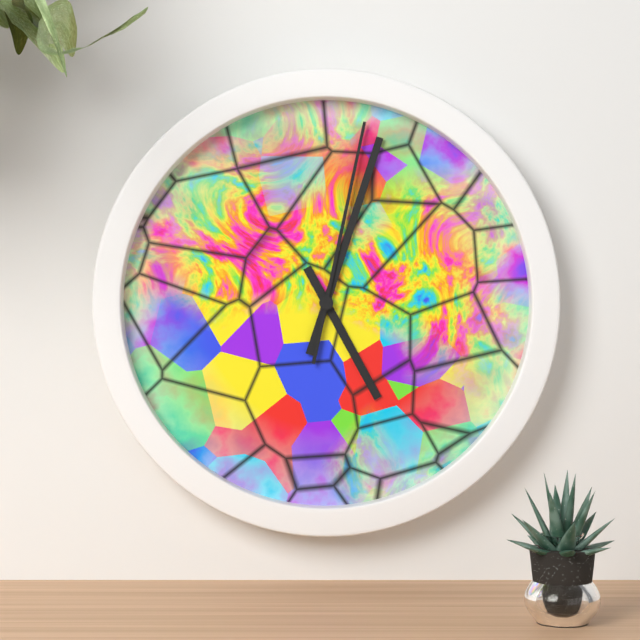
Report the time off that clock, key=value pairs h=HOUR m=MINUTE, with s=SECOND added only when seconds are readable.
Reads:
h=5 m=3 s=2
